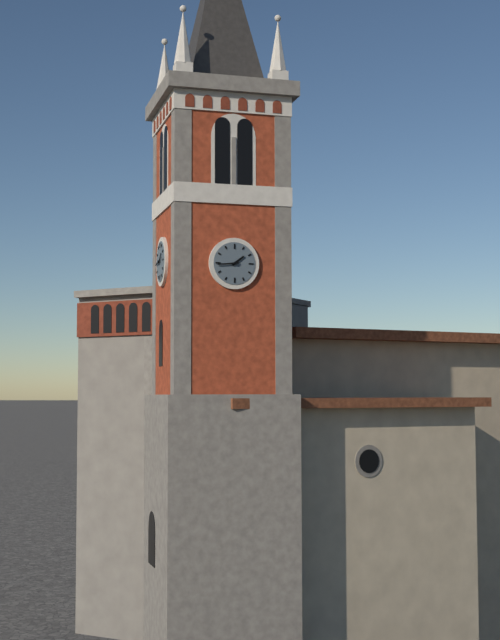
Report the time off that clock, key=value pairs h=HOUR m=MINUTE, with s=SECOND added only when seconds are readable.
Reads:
h=1 m=44
